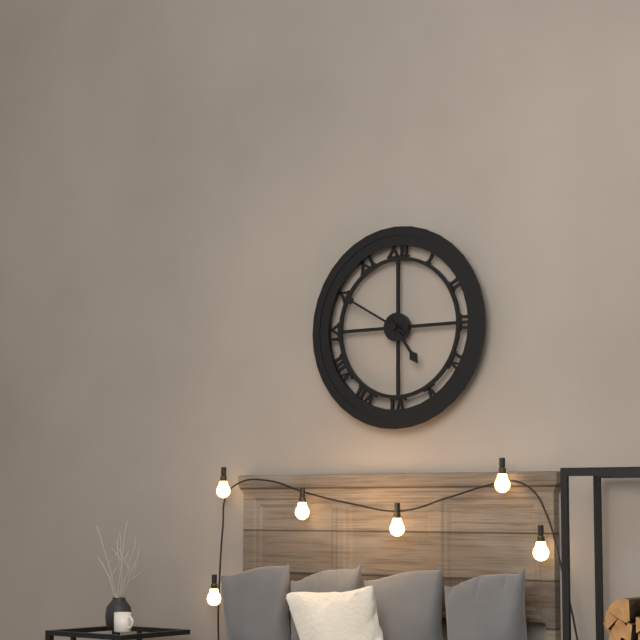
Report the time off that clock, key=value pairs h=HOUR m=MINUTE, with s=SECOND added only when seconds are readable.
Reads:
h=4 m=50
